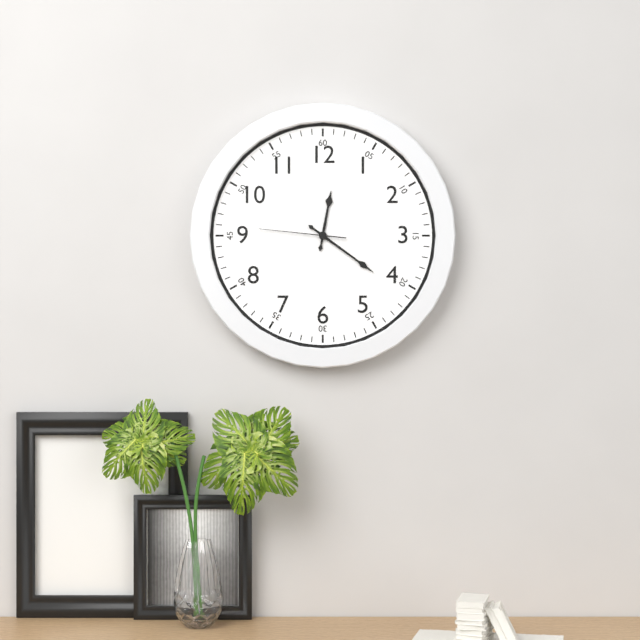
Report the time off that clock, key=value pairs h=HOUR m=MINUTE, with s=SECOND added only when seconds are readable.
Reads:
h=12 m=21 s=46
